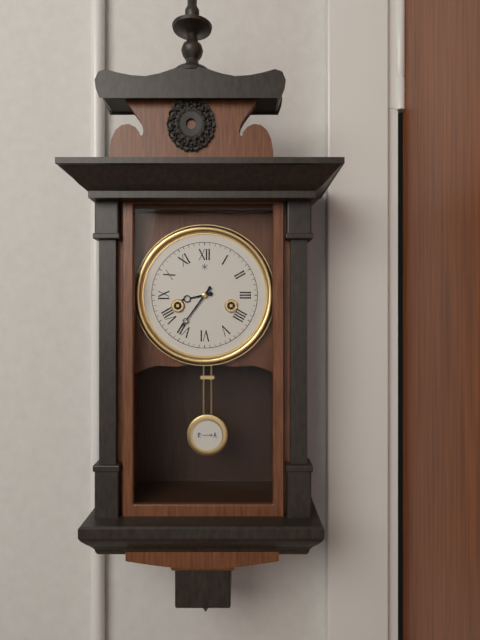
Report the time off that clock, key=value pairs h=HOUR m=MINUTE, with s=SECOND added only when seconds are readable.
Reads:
h=8 m=36
